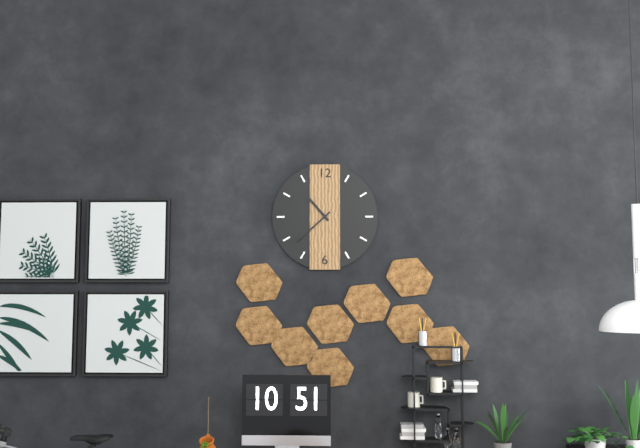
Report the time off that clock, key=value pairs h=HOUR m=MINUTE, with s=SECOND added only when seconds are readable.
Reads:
h=10 m=38
